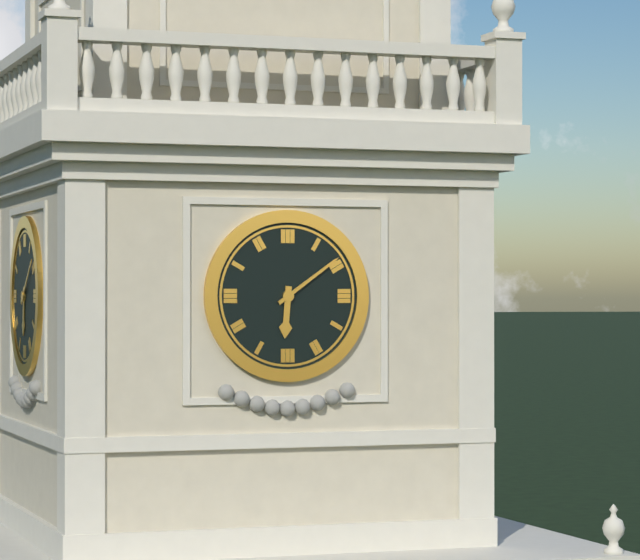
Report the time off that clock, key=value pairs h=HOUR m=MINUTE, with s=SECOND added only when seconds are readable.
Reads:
h=6 m=9
